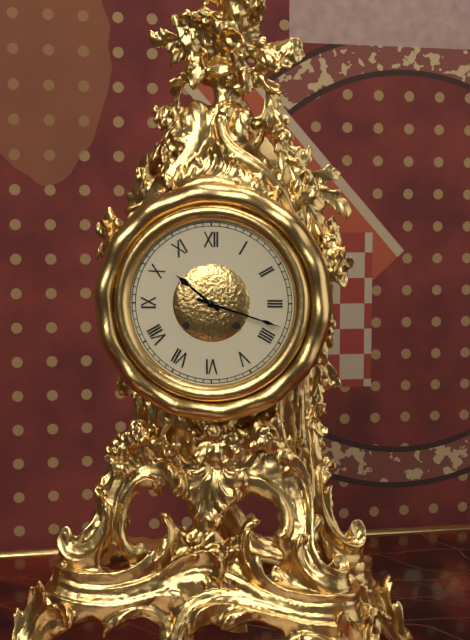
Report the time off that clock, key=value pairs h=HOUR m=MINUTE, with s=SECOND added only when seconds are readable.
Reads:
h=10 m=18
